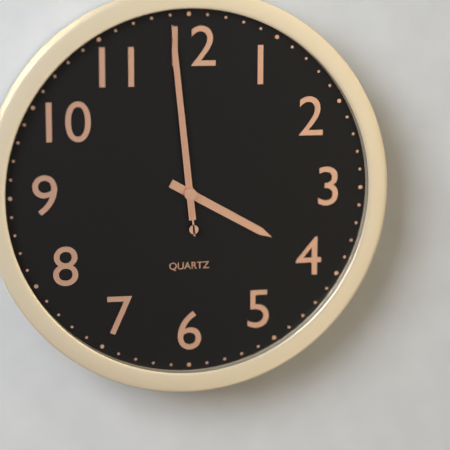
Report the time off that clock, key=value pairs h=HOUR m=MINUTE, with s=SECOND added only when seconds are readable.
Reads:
h=3 m=59 s=59
